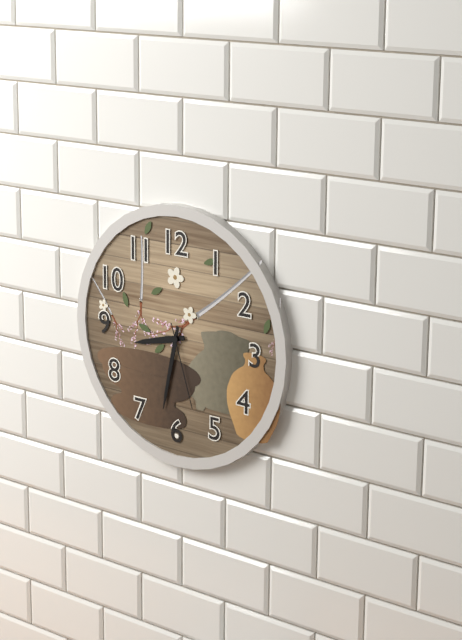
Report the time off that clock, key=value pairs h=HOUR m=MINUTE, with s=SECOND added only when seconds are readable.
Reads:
h=8 m=32 s=27
